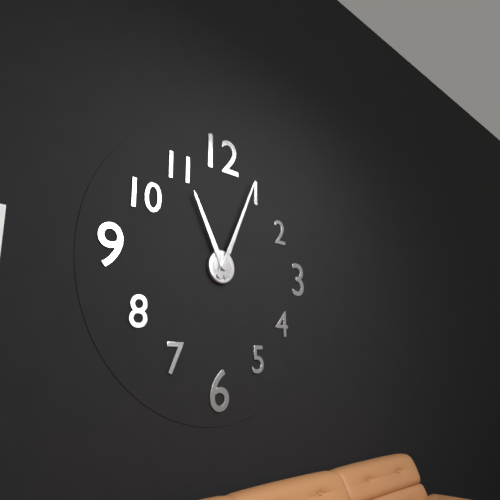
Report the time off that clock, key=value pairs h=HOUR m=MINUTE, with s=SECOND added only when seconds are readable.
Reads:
h=11 m=4
